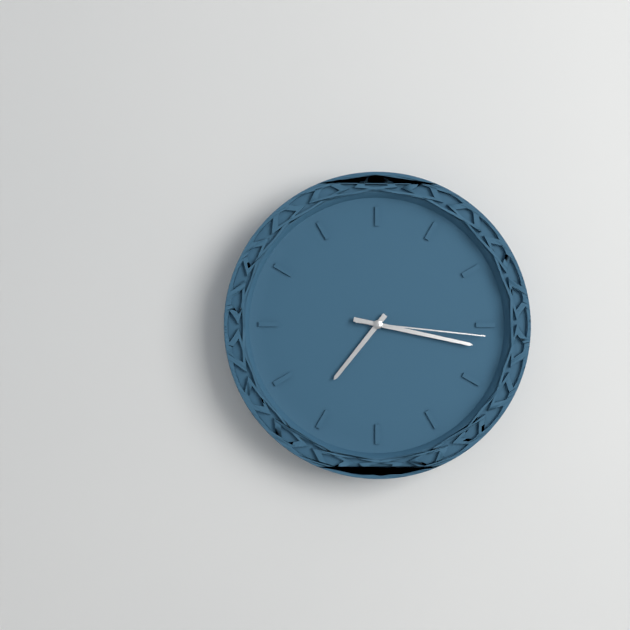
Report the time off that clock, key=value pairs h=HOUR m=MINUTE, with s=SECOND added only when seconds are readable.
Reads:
h=7 m=17 s=16
